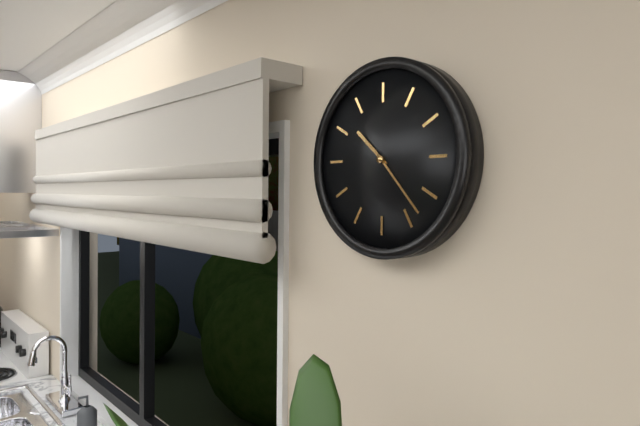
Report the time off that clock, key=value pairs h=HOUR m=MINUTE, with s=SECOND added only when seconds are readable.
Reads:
h=10 m=23
